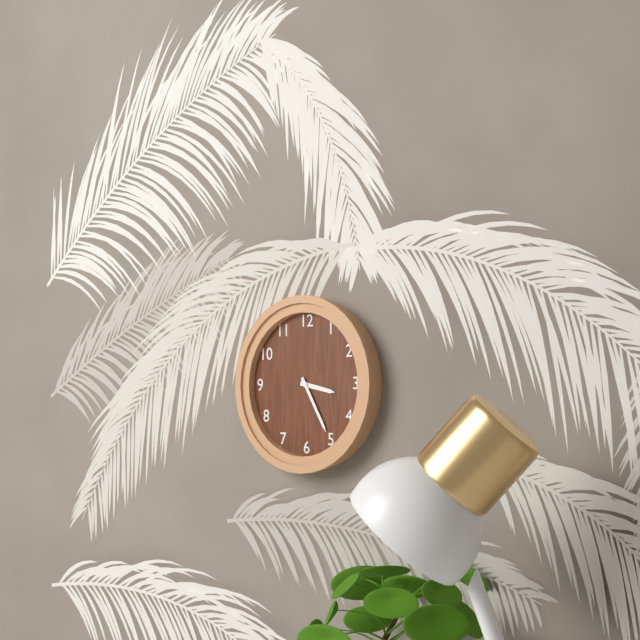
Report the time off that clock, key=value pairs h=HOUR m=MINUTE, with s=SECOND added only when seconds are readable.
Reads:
h=3 m=25
